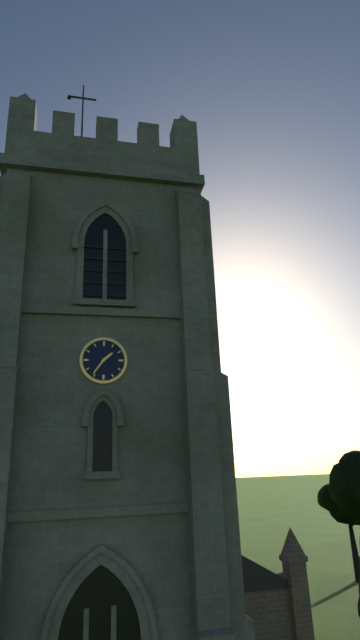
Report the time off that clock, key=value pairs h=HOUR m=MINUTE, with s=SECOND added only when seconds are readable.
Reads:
h=1 m=36
